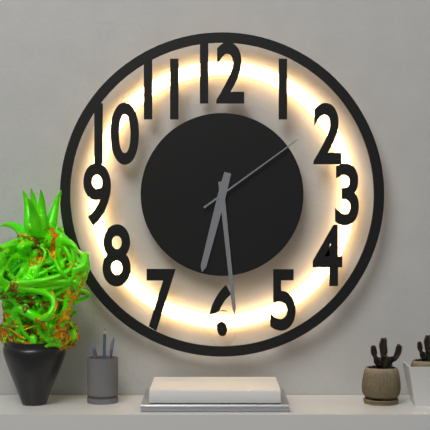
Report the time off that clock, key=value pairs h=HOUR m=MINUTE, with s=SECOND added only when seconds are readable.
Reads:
h=6 m=29 s=9
